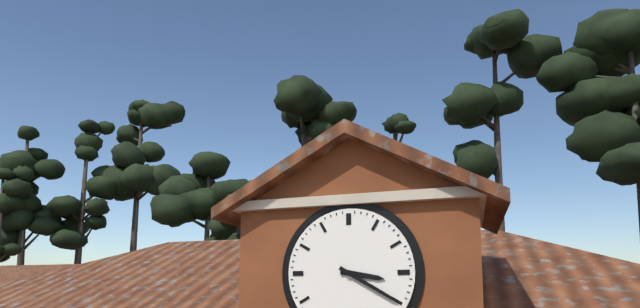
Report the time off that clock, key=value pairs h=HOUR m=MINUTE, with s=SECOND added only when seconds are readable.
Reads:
h=3 m=20
